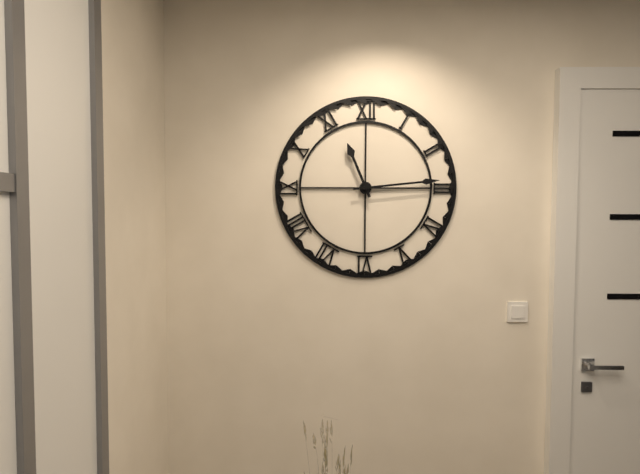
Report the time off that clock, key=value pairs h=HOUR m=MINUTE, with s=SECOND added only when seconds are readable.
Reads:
h=11 m=14
